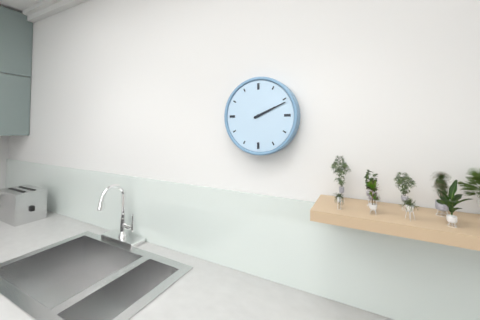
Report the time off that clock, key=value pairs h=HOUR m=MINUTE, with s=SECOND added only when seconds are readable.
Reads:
h=2 m=11
